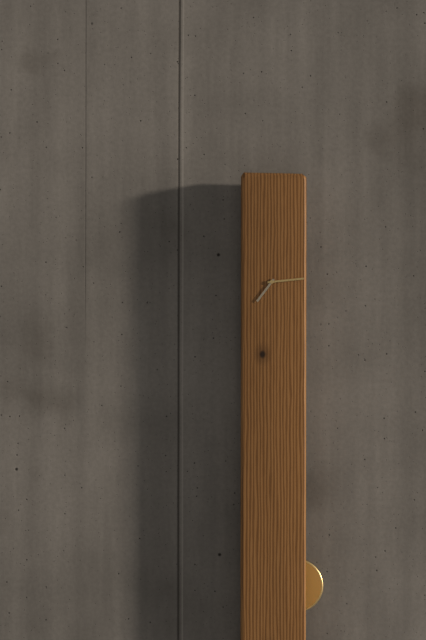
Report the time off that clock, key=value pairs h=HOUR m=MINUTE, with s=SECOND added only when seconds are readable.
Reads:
h=7 m=14
